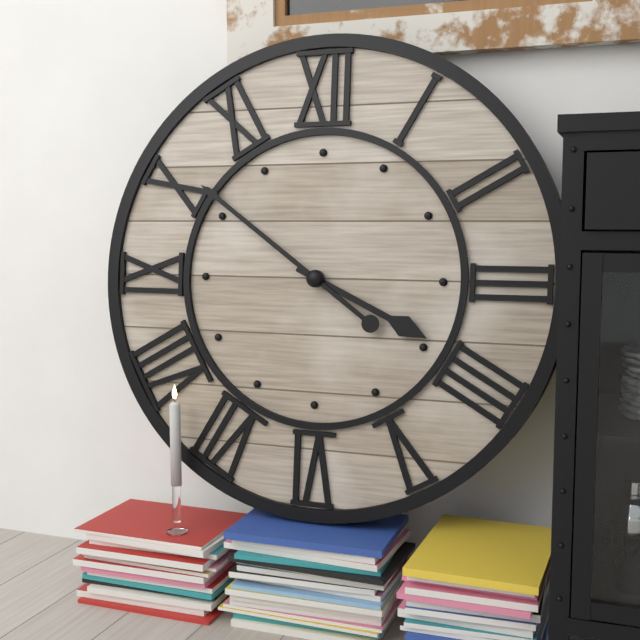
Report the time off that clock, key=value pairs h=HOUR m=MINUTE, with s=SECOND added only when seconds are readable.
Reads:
h=3 m=51
